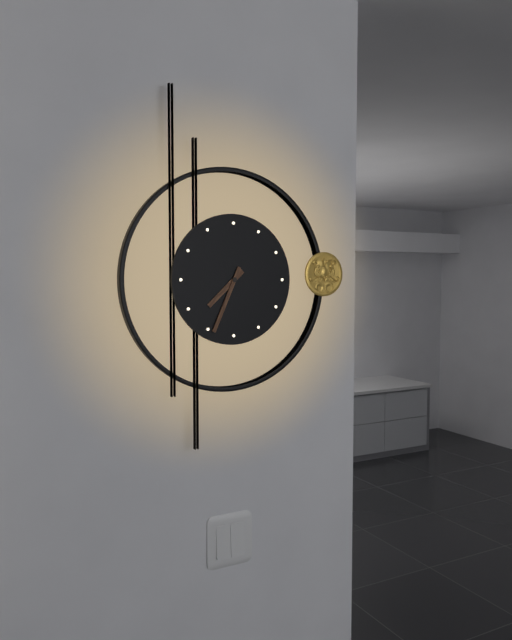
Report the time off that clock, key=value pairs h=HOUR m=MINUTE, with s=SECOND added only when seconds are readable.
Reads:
h=7 m=34
